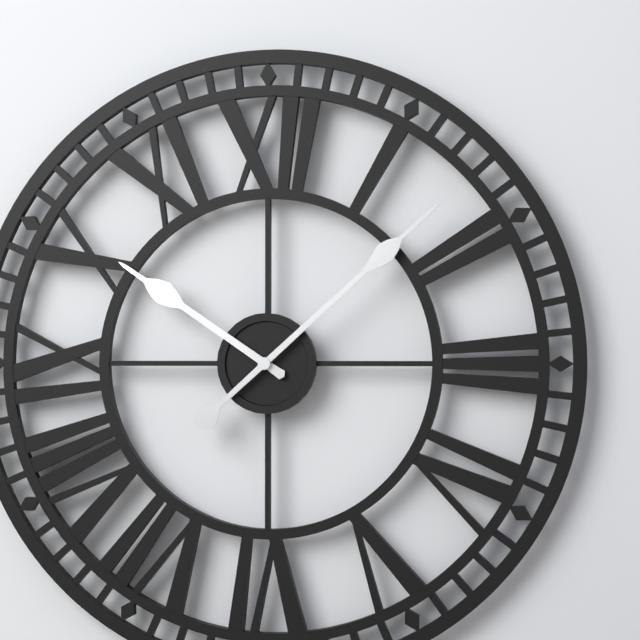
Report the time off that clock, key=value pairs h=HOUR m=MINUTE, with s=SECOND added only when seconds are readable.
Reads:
h=10 m=8
